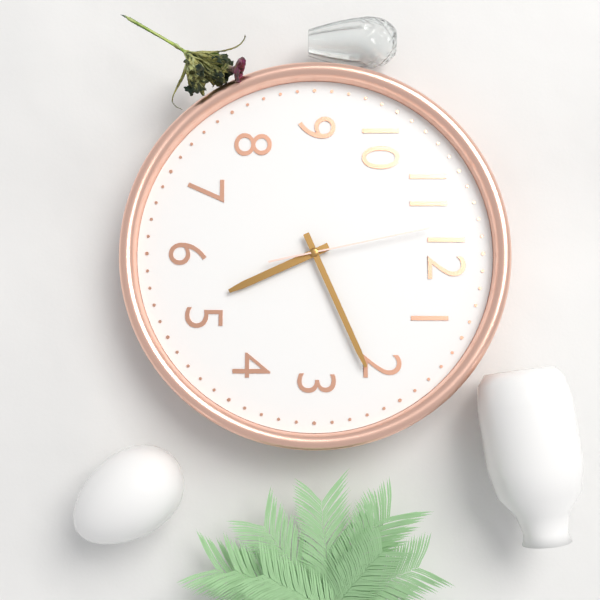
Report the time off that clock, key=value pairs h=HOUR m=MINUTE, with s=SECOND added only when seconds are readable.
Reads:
h=5 m=11 s=58
